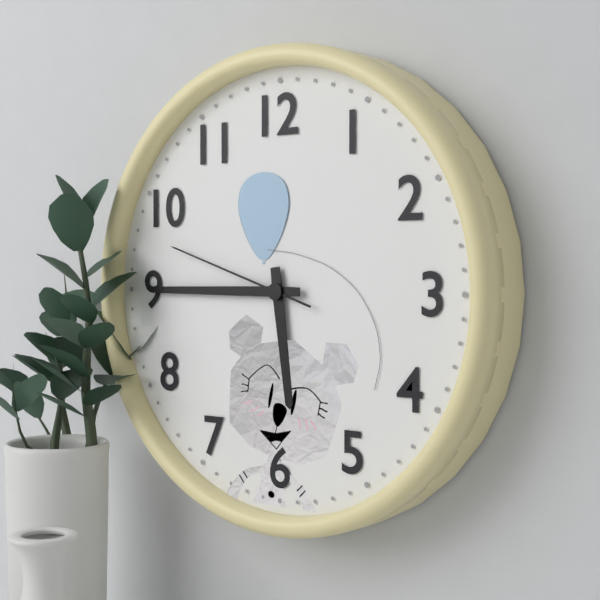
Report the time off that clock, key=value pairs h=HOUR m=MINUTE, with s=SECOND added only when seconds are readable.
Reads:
h=5 m=45 s=48
